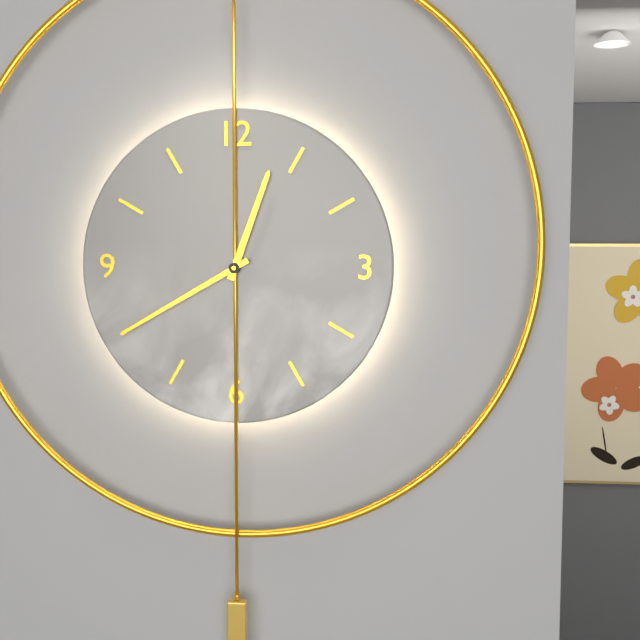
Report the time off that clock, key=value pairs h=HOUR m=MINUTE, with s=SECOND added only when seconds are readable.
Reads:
h=12 m=40
